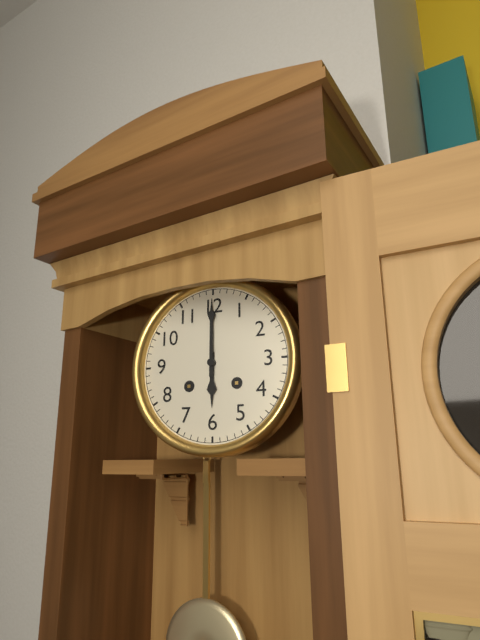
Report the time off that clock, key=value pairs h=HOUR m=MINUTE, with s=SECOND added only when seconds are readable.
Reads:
h=6 m=0
